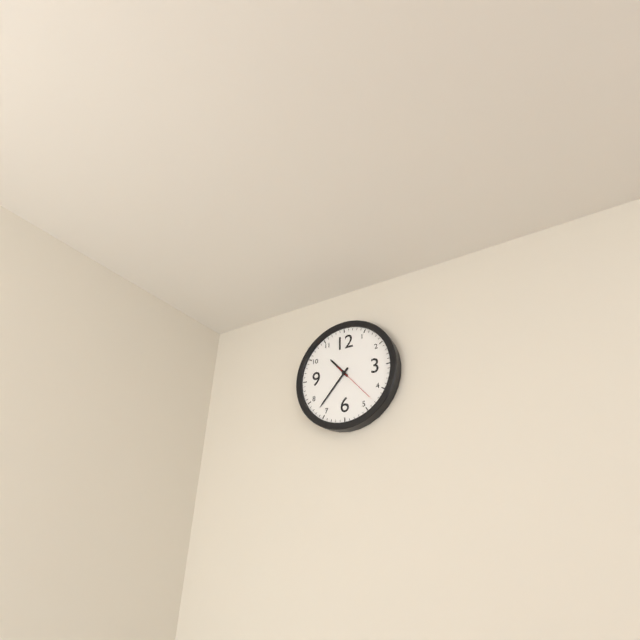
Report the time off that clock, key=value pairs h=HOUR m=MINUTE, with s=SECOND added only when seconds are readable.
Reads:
h=10 m=37
